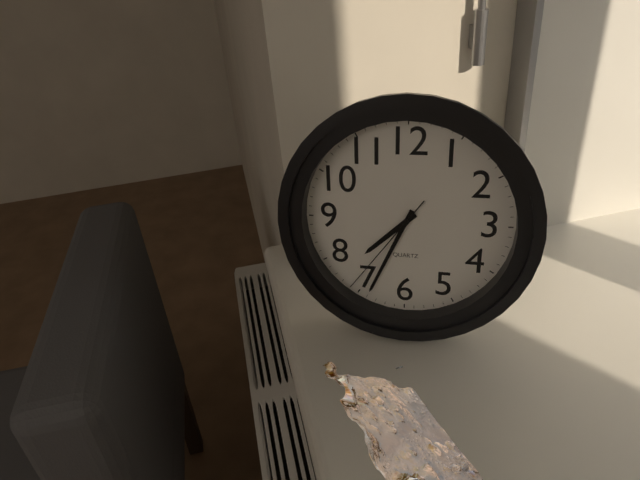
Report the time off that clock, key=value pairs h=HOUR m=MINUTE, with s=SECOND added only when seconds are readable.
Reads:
h=7 m=34 s=36
